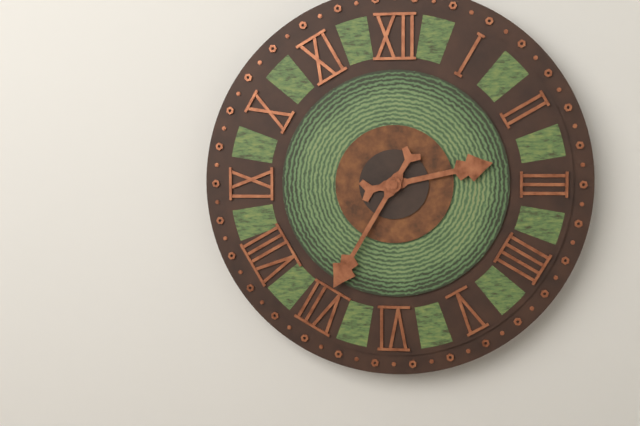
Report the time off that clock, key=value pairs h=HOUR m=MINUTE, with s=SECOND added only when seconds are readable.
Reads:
h=2 m=35
